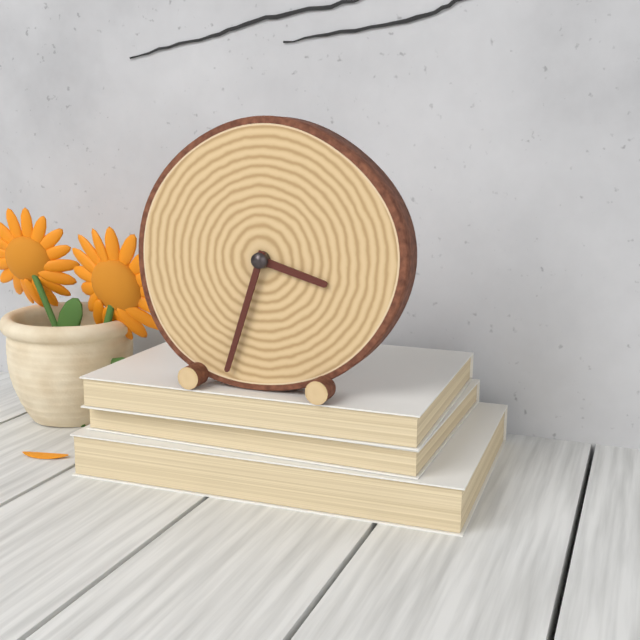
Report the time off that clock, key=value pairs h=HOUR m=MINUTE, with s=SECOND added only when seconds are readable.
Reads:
h=3 m=33
